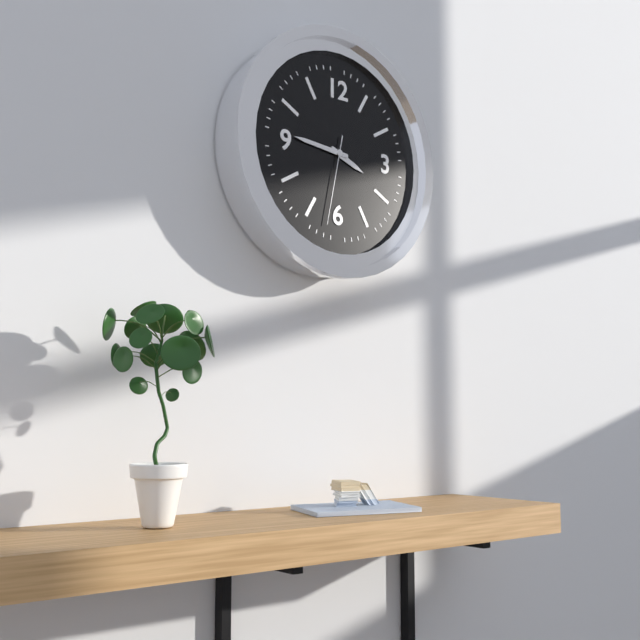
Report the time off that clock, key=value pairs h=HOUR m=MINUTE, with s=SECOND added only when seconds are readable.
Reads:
h=3 m=46 s=32
